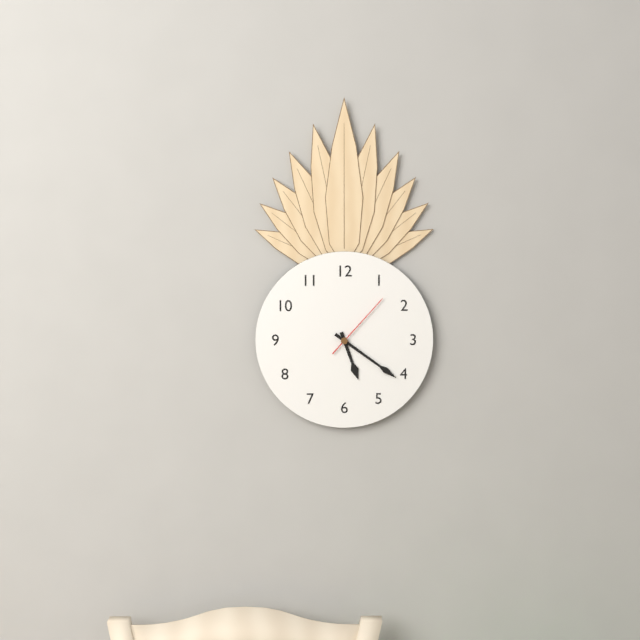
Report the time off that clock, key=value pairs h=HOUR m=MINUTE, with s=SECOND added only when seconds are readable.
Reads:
h=5 m=21 s=7
